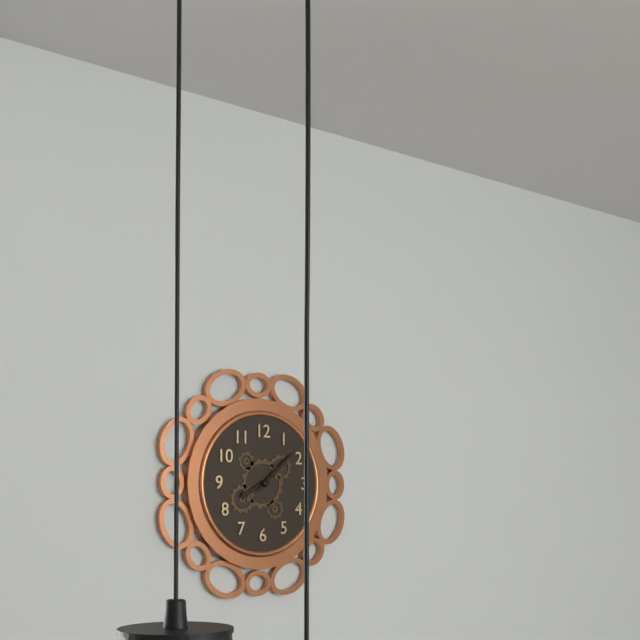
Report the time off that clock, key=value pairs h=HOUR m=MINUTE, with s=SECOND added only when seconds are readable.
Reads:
h=8 m=8
